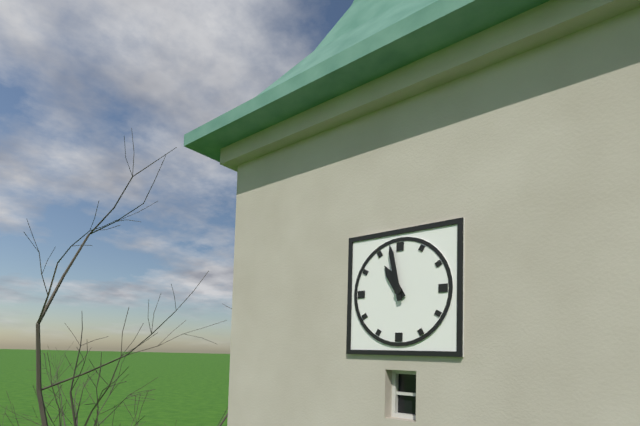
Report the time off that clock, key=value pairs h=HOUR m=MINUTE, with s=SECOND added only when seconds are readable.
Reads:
h=10 m=58
